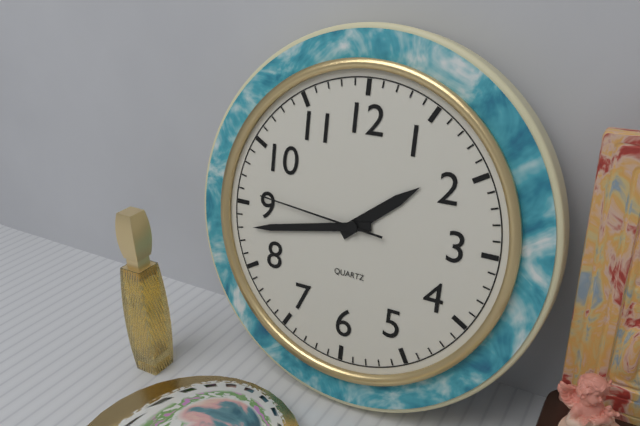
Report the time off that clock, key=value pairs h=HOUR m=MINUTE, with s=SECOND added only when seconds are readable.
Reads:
h=1 m=43 s=46
